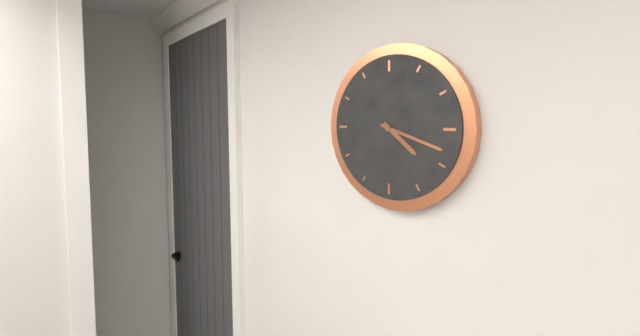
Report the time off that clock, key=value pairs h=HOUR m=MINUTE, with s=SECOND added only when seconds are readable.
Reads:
h=4 m=18
